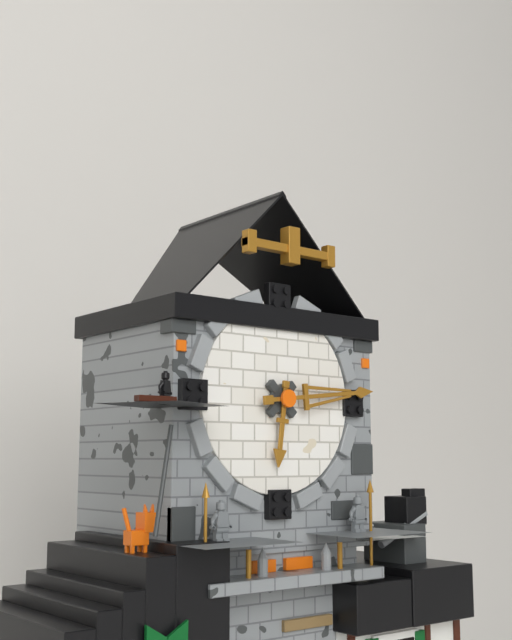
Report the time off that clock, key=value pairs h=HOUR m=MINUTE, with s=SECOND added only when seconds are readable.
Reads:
h=6 m=14
